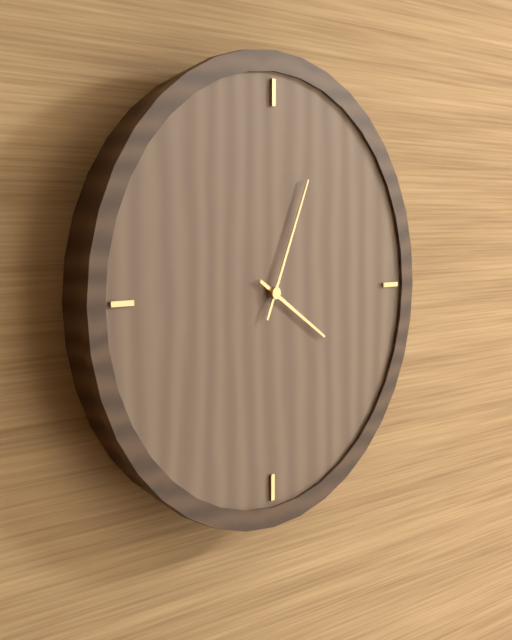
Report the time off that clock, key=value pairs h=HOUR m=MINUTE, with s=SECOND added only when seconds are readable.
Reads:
h=4 m=4
